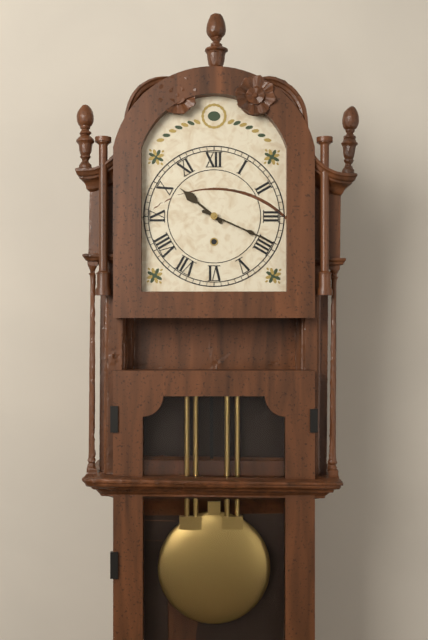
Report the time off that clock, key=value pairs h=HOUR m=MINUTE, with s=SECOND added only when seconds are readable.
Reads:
h=10 m=19
